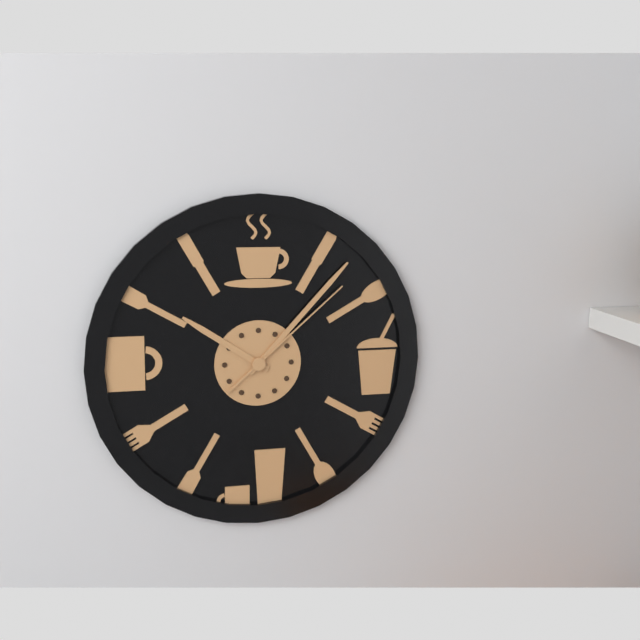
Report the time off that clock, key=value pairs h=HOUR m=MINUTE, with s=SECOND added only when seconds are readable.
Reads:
h=10 m=7 s=8
